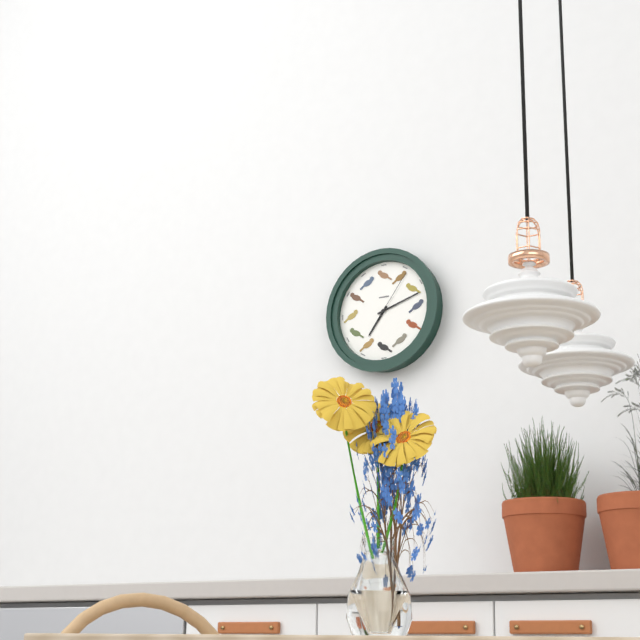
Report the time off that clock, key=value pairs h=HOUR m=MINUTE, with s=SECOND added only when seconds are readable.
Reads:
h=7 m=12 s=6
